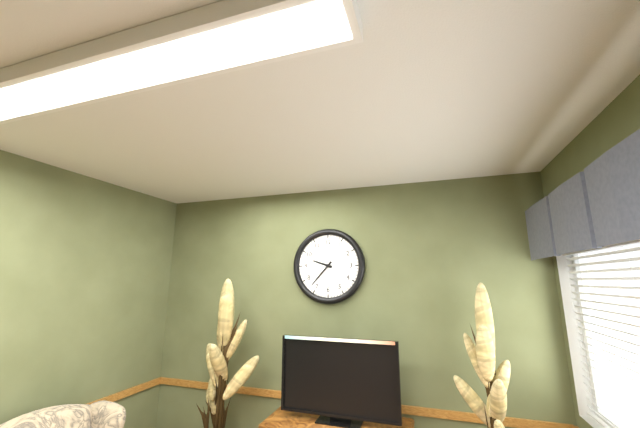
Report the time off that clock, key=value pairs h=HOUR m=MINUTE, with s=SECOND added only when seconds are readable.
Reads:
h=9 m=37
